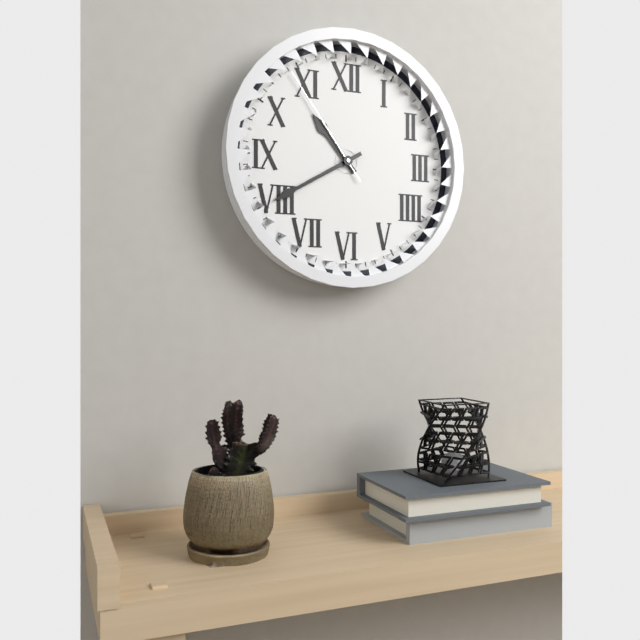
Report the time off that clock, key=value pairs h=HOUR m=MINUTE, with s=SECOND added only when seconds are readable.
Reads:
h=10 m=40 s=54
